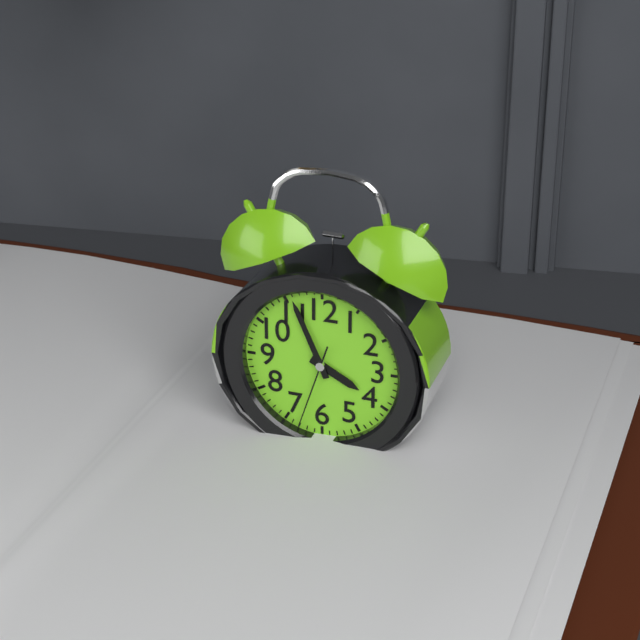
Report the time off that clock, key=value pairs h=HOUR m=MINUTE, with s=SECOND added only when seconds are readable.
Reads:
h=3 m=56 s=33
